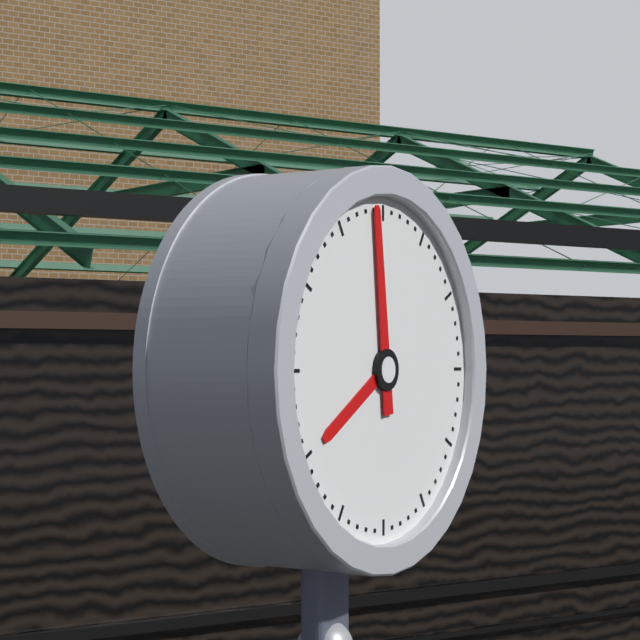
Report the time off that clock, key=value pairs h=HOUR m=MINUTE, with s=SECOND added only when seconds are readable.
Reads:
h=7 m=59
